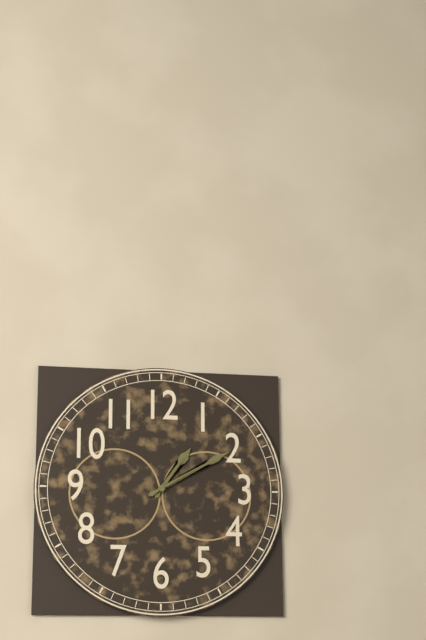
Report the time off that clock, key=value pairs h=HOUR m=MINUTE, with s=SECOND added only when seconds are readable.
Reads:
h=1 m=10
